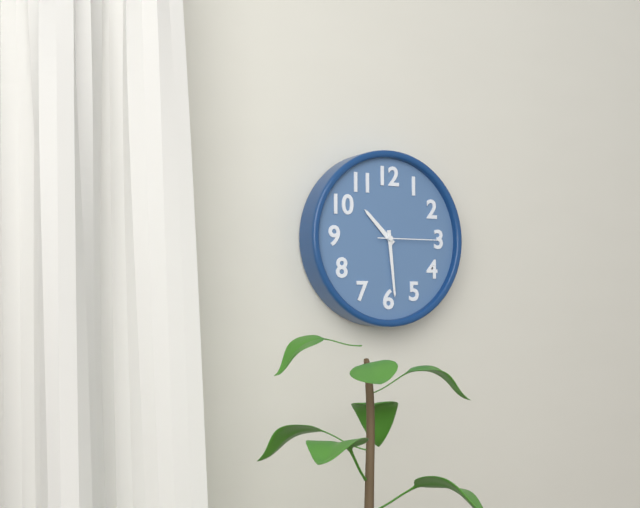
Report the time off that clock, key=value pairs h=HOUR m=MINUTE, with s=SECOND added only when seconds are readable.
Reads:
h=10 m=29 s=15
